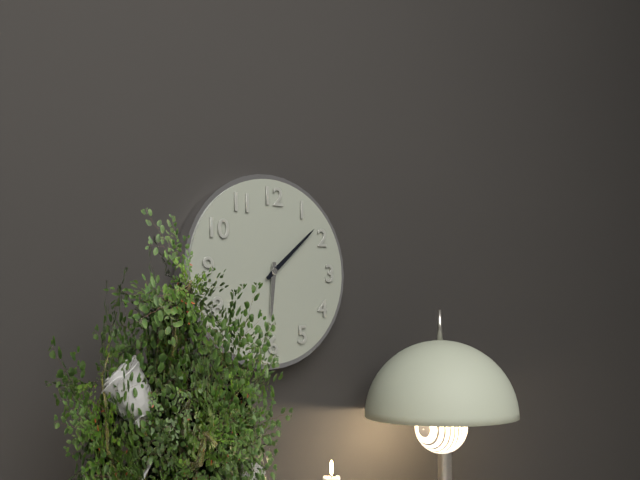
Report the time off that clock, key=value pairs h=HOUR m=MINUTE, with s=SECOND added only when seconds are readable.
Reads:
h=6 m=8
